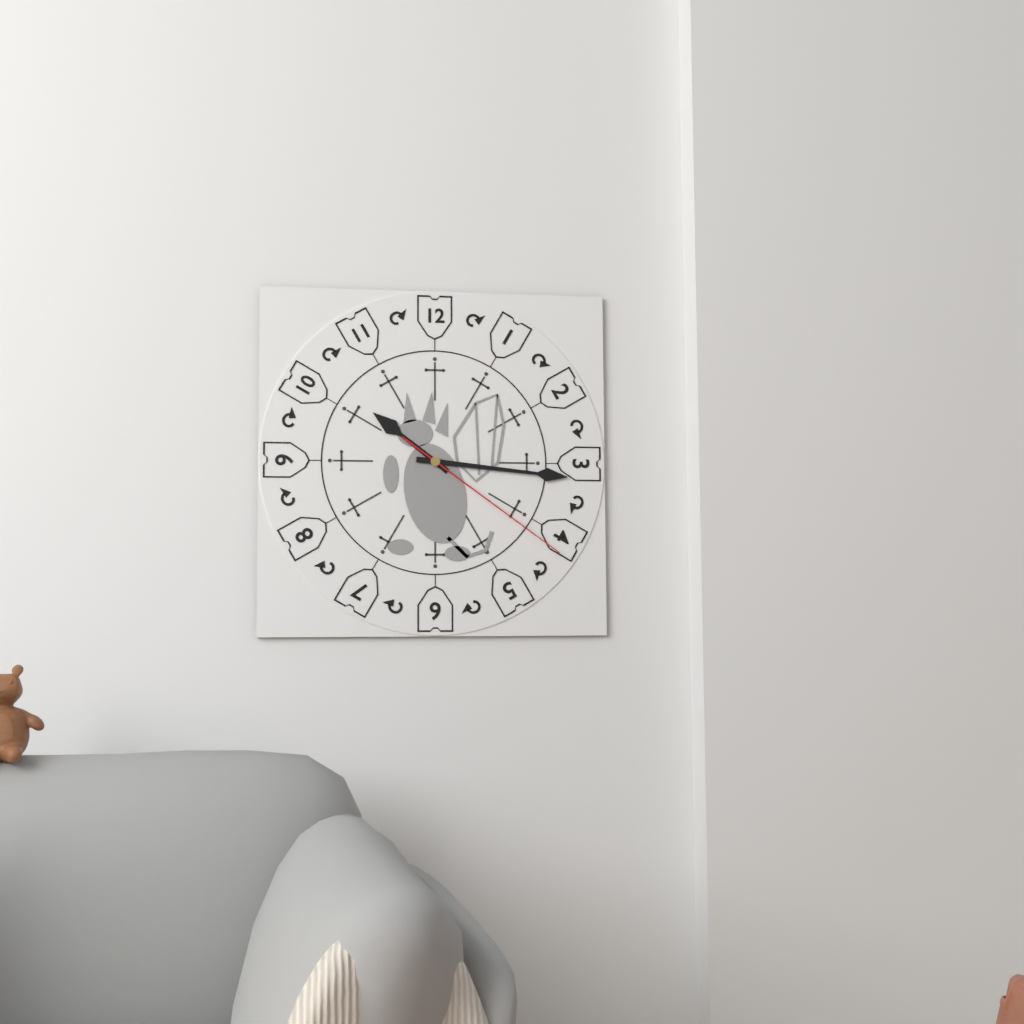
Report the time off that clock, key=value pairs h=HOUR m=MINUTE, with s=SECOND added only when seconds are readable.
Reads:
h=10 m=16 s=21
